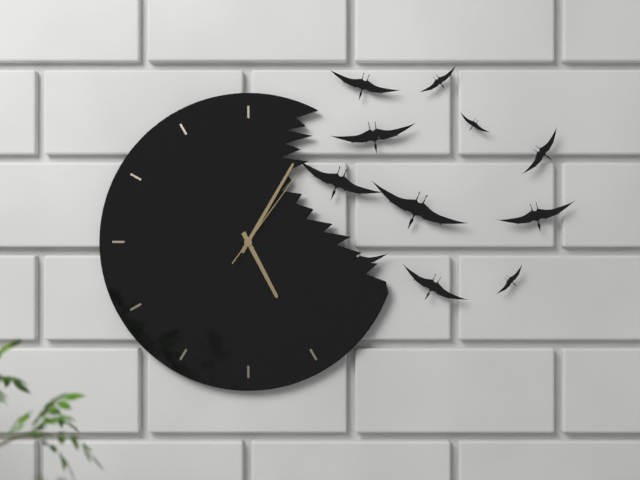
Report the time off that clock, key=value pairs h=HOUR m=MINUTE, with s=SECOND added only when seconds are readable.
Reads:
h=5 m=5 s=6
